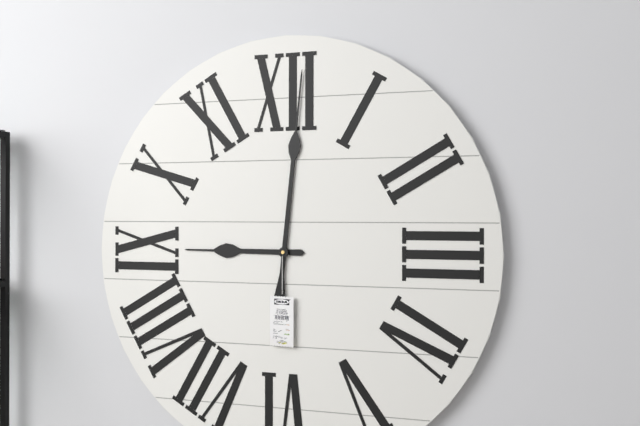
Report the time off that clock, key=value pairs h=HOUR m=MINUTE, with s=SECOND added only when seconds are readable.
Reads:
h=9 m=1
